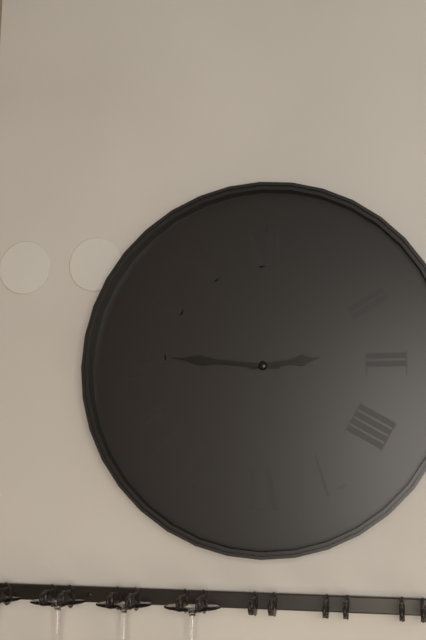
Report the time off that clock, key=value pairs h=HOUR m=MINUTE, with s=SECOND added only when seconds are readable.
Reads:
h=2 m=46
